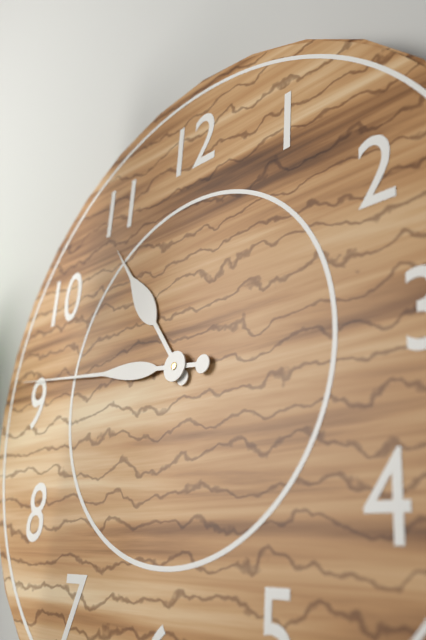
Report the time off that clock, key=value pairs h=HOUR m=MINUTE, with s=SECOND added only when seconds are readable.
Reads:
h=10 m=46
